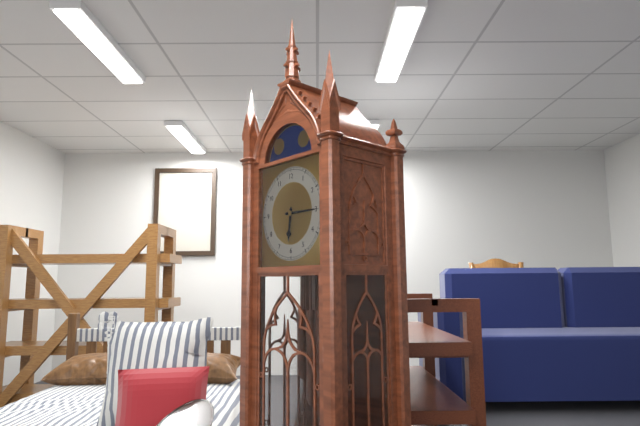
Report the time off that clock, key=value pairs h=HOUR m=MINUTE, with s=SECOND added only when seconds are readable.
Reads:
h=6 m=15
